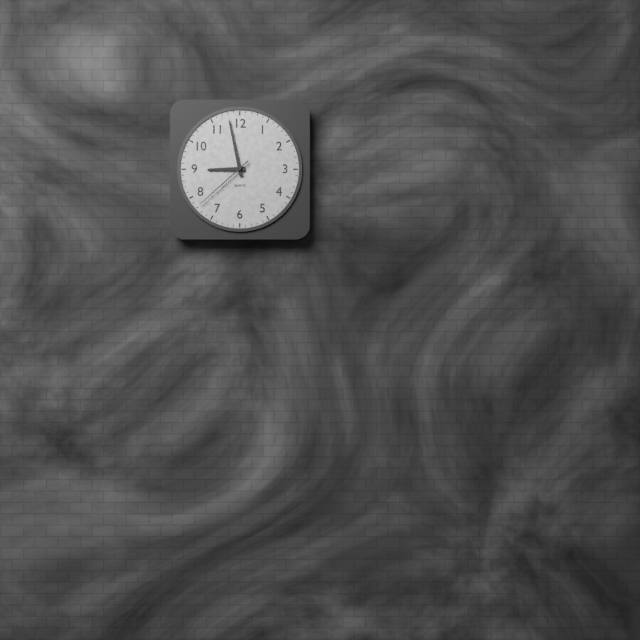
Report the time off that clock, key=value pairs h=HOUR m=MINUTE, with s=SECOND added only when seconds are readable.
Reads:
h=8 m=58 s=38
